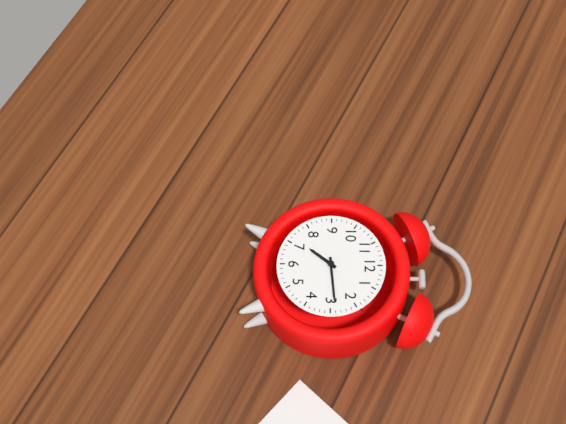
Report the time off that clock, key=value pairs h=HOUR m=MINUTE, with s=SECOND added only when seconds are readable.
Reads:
h=7 m=14
